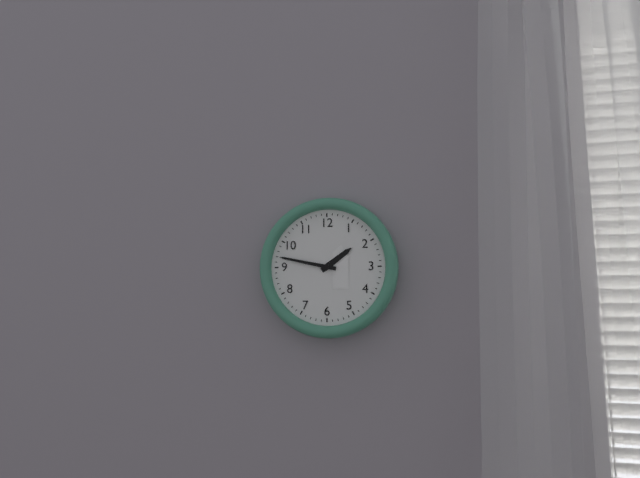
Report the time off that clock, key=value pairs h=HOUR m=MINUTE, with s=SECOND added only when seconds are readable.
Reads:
h=1 m=47
